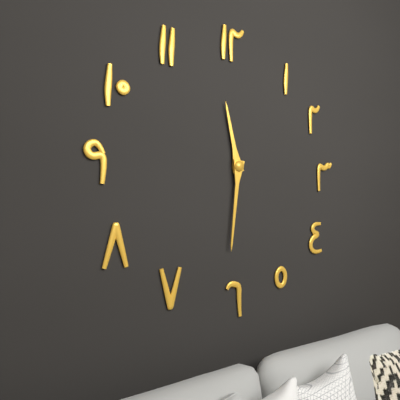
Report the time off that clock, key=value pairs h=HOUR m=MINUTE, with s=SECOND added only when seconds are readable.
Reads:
h=11 m=31
